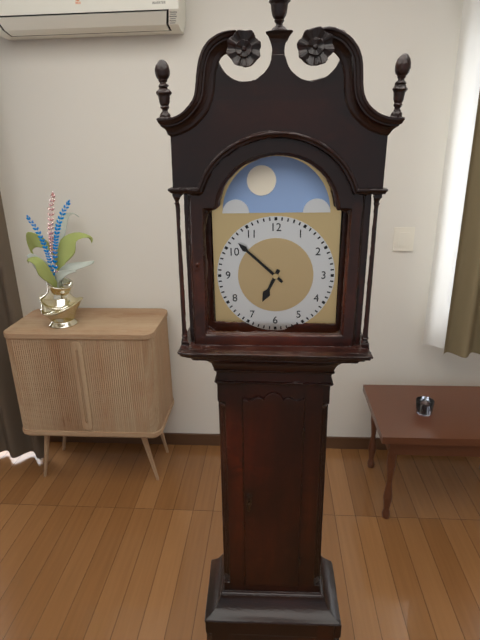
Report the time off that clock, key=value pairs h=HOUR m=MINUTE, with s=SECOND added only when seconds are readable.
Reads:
h=6 m=52
